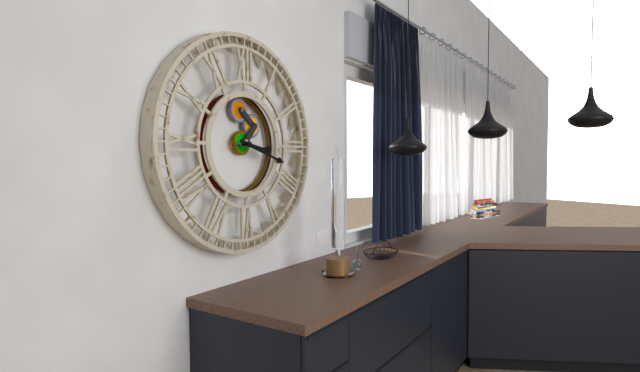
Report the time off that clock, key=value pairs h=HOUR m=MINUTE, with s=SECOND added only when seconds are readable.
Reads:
h=3 m=18
